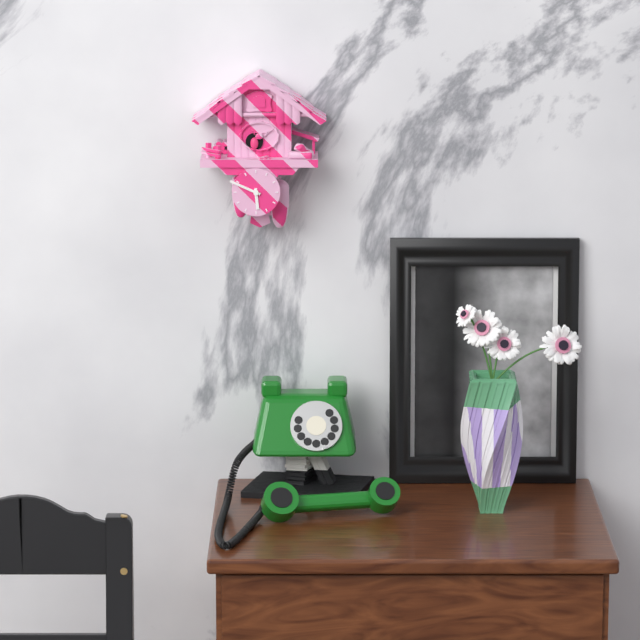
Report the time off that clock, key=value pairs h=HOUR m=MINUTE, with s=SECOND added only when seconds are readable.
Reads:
h=5 m=49
